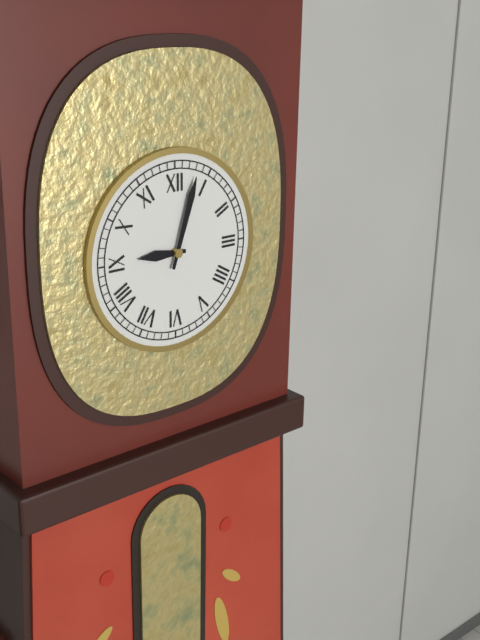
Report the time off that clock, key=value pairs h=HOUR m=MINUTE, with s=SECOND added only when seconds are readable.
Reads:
h=9 m=3
